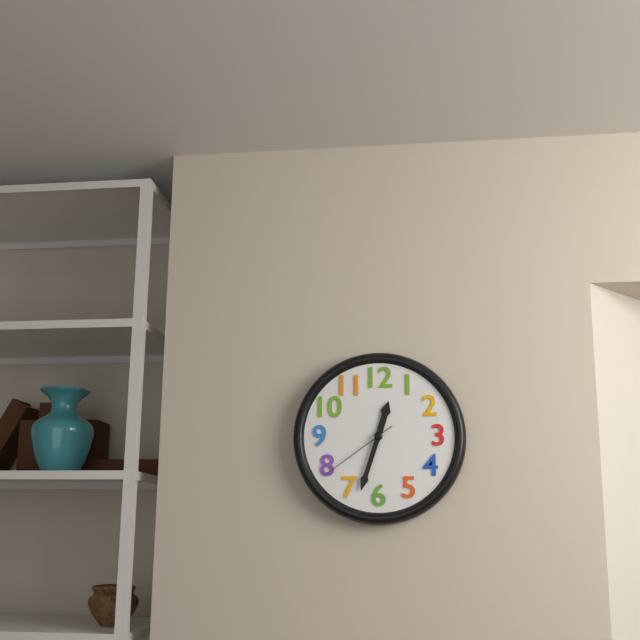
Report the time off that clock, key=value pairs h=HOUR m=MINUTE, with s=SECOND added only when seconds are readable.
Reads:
h=12 m=33 s=39
